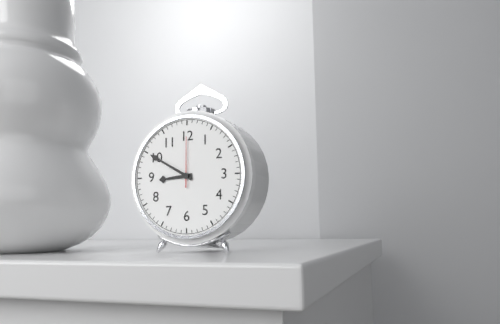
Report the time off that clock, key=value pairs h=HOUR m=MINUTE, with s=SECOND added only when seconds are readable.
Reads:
h=8 m=50
